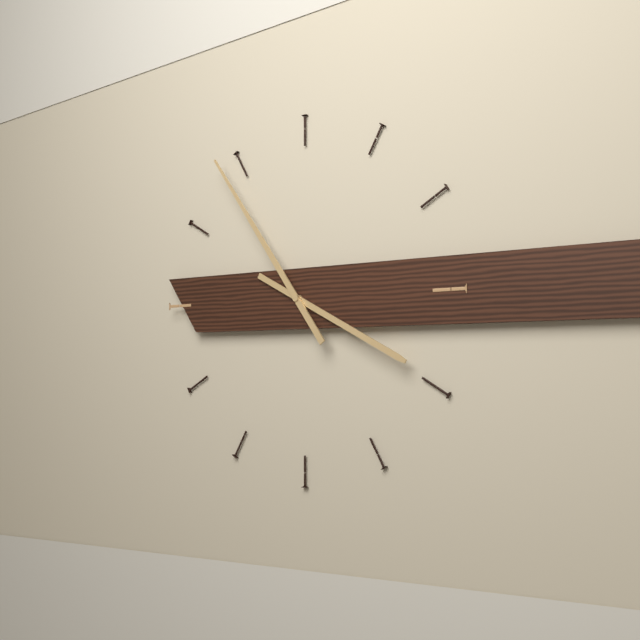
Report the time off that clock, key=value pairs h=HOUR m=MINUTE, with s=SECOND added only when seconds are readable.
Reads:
h=3 m=54
